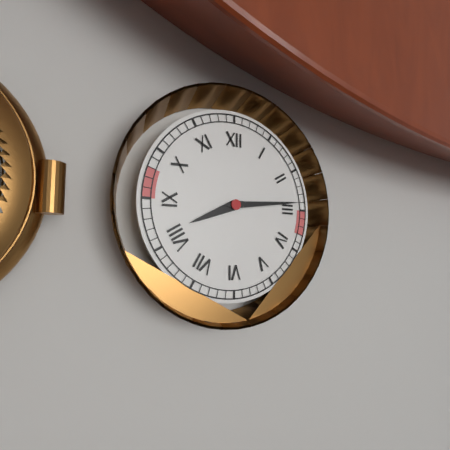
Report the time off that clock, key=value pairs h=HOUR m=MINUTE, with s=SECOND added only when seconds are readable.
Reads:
h=8 m=14
